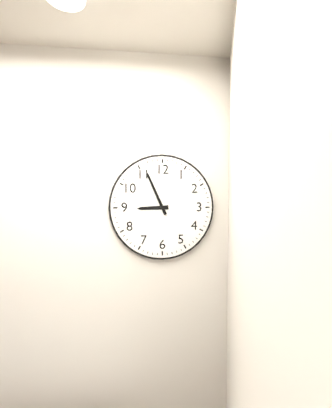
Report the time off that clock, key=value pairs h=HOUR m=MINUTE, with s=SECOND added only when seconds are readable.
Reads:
h=8 m=56
